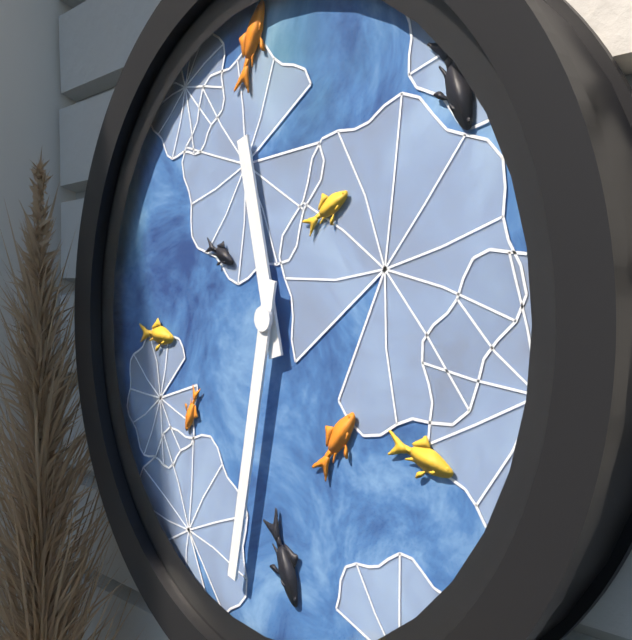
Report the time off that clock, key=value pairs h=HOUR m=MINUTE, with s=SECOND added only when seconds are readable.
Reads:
h=11 m=32
